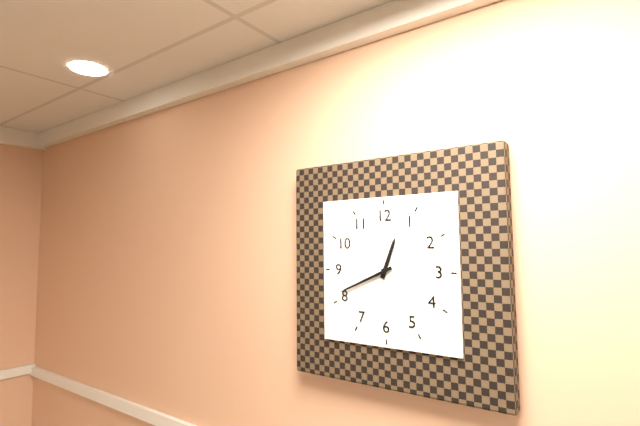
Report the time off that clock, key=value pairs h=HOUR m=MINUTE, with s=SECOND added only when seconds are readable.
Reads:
h=12 m=41
